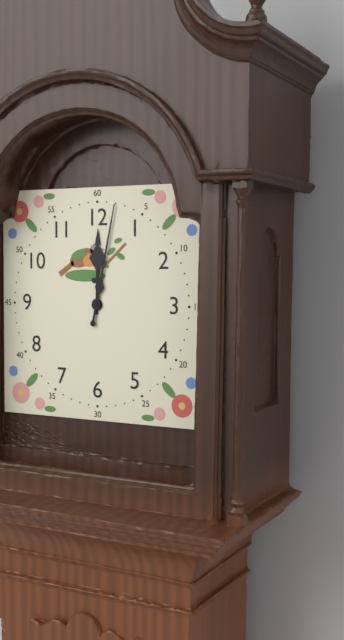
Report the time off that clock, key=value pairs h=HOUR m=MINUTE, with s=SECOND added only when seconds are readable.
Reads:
h=12 m=2
